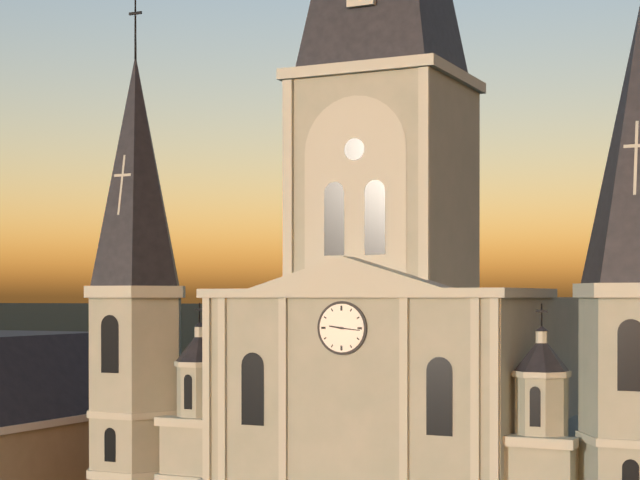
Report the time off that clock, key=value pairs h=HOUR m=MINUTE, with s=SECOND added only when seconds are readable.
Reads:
h=9 m=16
